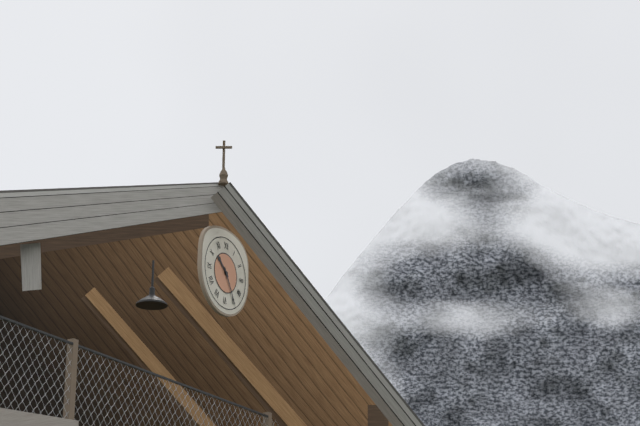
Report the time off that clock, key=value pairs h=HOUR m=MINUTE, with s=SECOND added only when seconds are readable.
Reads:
h=10 m=25
